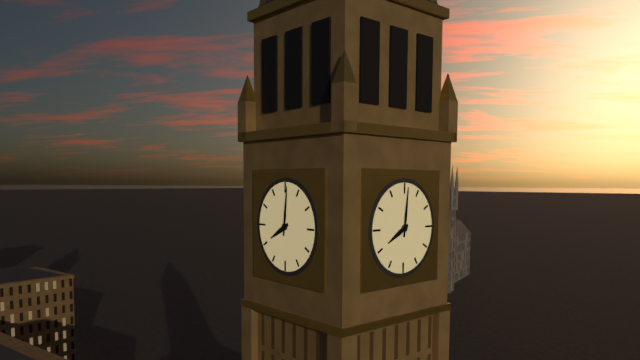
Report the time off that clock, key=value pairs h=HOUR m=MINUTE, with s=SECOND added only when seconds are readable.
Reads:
h=8 m=1
